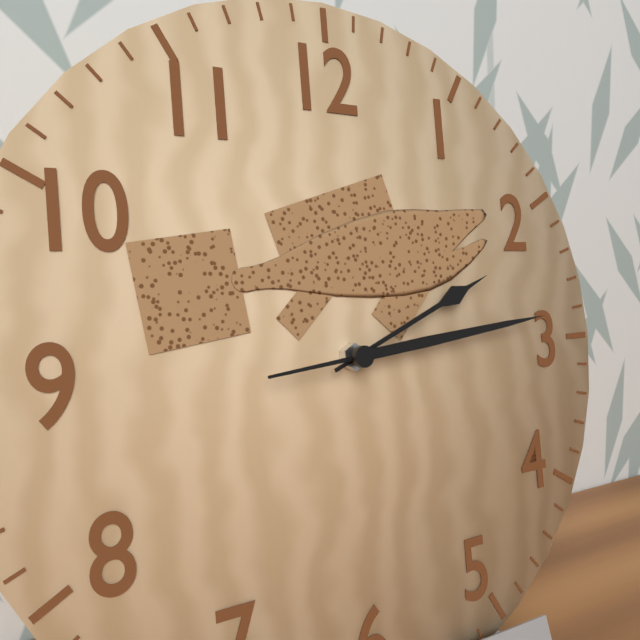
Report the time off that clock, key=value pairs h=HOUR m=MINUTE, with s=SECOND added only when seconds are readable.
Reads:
h=2 m=14
